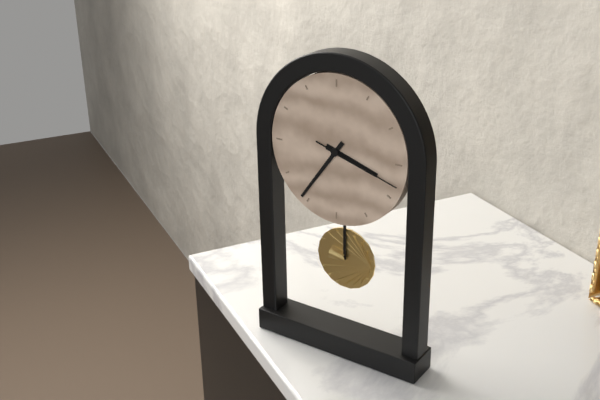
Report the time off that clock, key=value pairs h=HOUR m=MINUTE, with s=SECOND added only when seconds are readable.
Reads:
h=3 m=36 s=18
